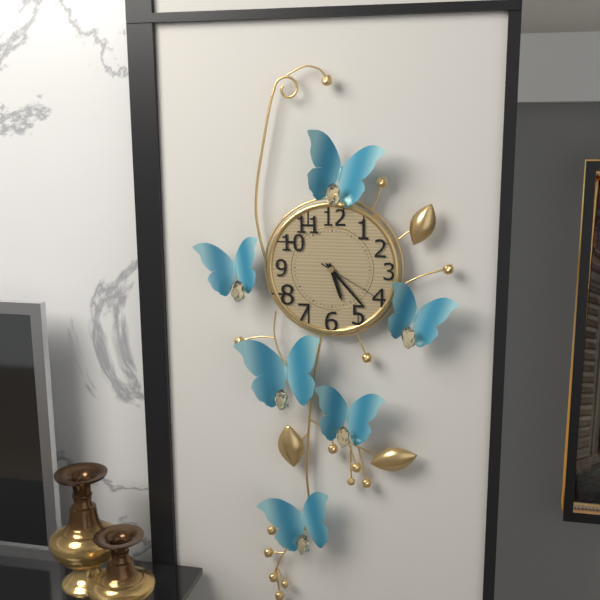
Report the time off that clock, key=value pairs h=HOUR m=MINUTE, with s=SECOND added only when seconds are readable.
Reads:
h=5 m=23 s=20
